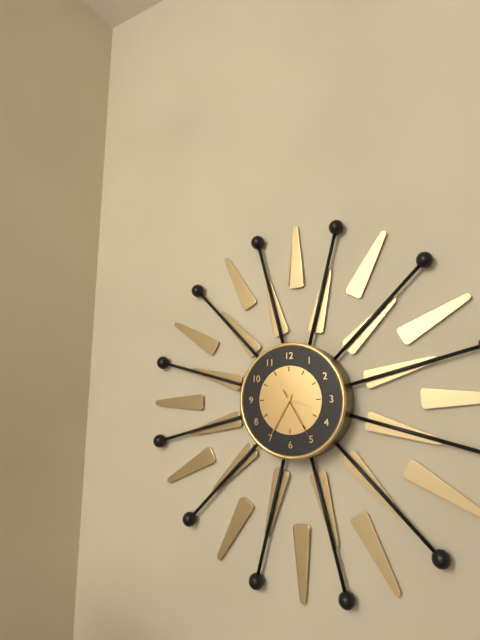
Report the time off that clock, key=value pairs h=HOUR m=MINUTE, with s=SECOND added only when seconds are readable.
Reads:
h=3 m=35 s=25
